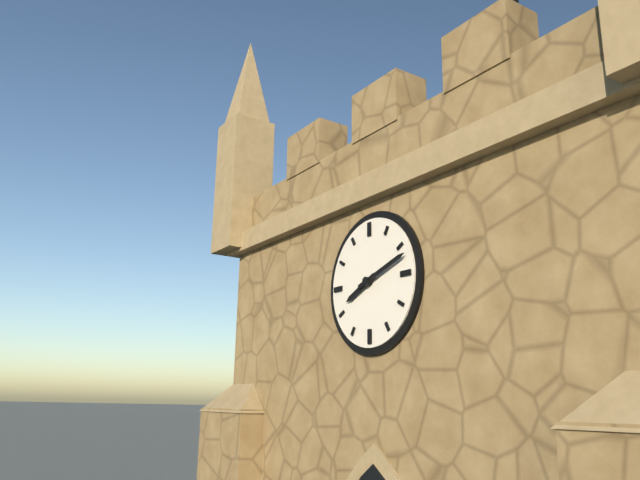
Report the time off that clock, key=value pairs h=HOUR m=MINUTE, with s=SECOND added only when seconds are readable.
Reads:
h=8 m=12
